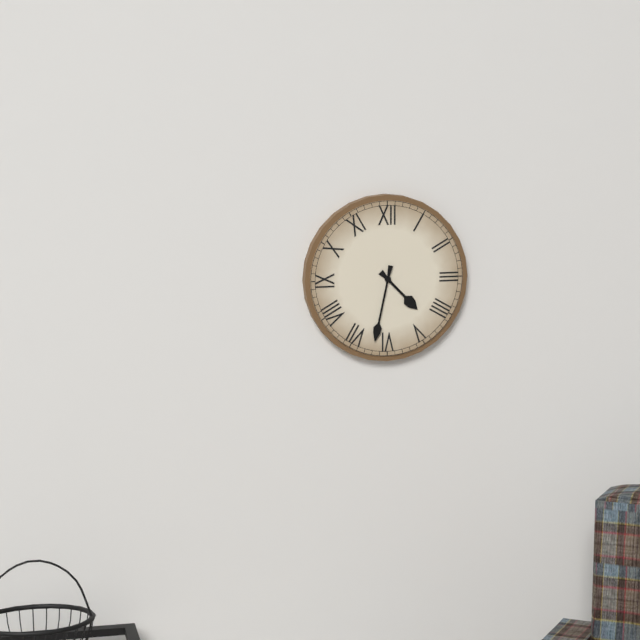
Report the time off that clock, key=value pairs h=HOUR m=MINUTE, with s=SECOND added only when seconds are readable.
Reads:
h=4 m=32
